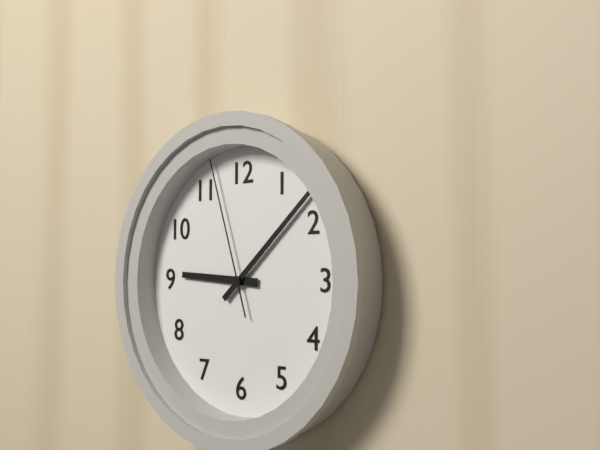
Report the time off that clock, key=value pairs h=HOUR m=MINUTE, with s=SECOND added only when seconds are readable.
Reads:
h=9 m=8 s=57
